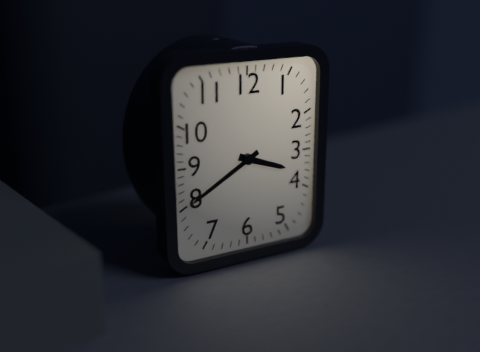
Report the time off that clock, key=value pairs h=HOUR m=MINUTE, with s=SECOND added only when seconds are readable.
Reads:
h=3 m=40
